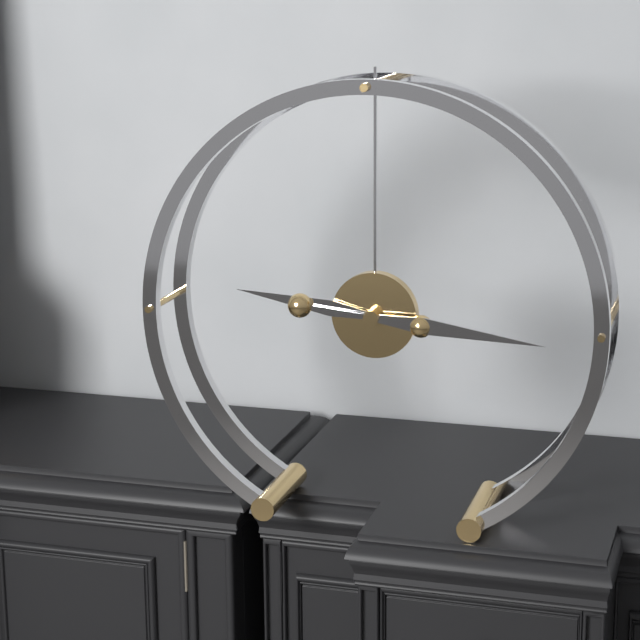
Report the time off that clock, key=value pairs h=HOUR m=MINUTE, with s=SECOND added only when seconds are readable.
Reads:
h=9 m=16
